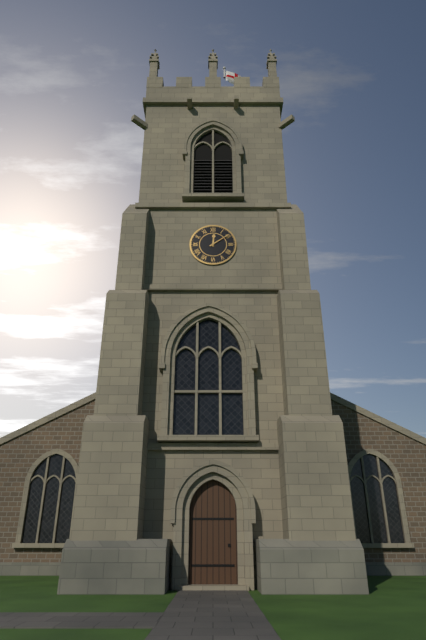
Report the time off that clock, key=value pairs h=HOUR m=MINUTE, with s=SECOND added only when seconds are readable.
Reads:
h=12 m=9
